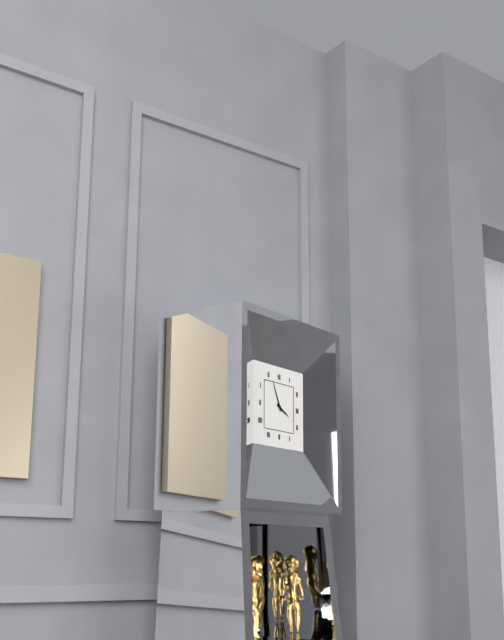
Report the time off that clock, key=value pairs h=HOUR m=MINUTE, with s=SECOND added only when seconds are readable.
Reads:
h=3 m=56
